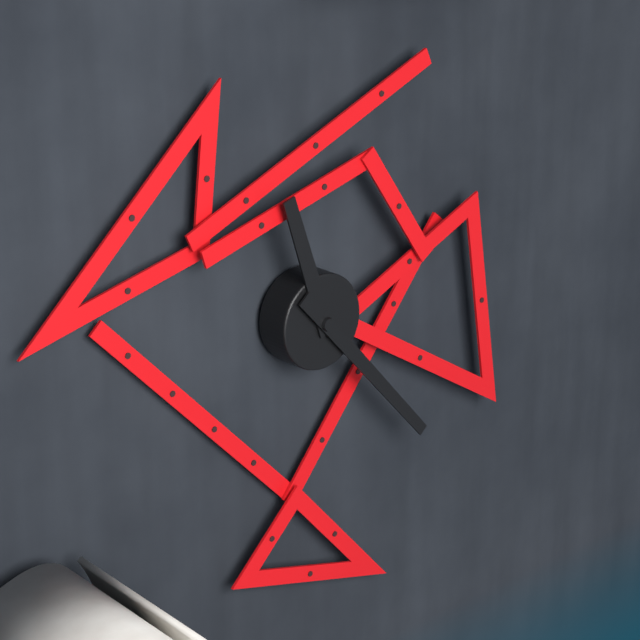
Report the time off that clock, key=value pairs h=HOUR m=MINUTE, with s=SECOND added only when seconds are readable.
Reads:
h=11 m=23
